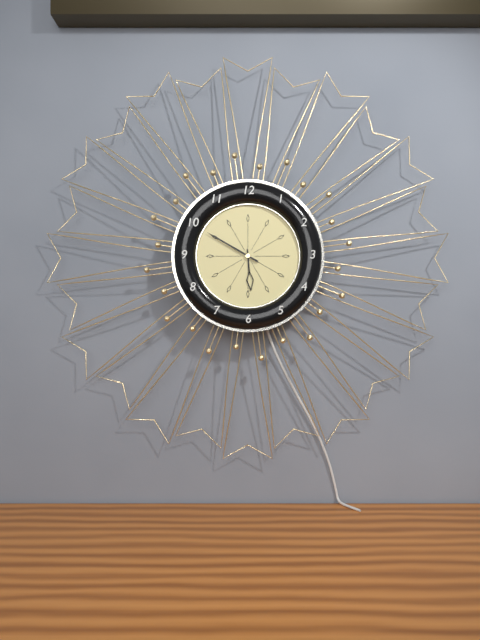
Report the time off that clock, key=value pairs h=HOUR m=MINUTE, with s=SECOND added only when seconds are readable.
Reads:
h=5 m=50
